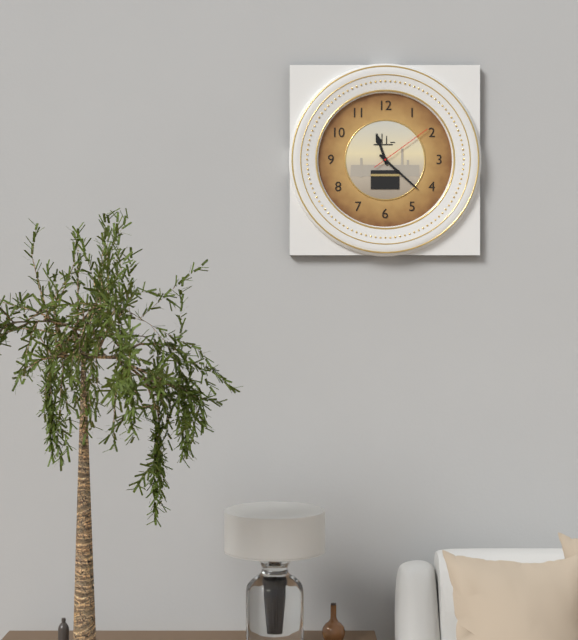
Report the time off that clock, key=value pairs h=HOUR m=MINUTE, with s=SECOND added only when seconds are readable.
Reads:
h=11 m=22 s=9
